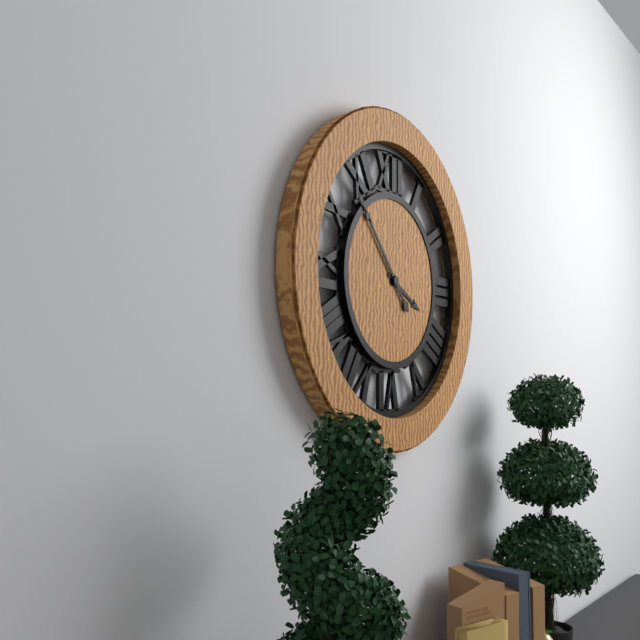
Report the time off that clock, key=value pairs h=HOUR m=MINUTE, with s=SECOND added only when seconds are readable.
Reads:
h=3 m=53
